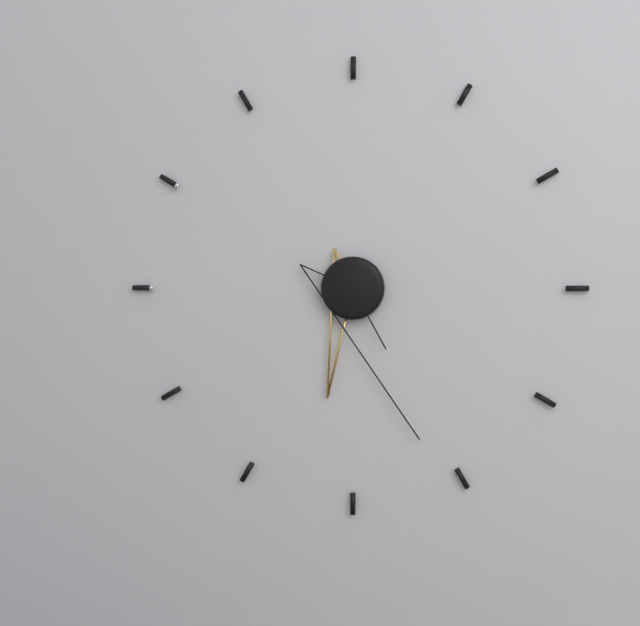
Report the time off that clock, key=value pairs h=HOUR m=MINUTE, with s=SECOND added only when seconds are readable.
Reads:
h=6 m=26
